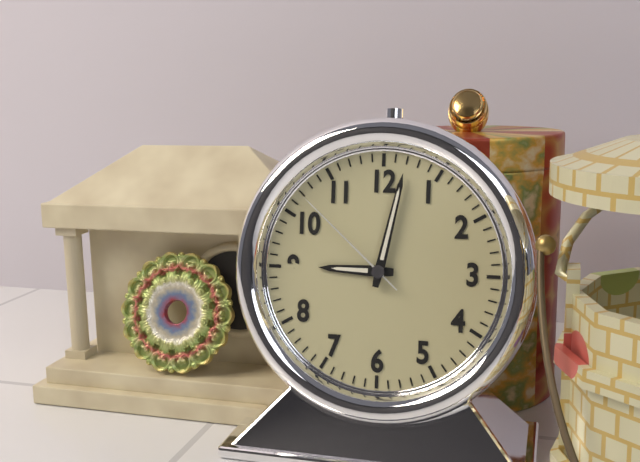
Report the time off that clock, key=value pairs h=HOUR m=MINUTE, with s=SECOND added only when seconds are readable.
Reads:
h=9 m=2 s=52
